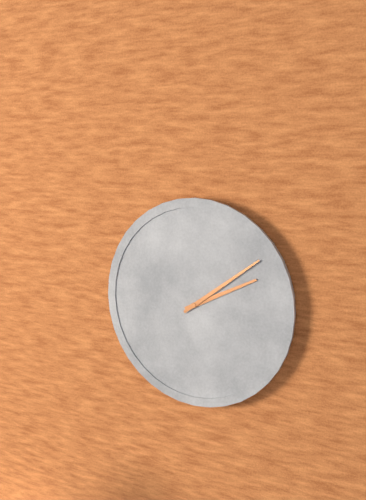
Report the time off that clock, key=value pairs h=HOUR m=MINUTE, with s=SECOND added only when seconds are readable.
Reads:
h=2 m=9
